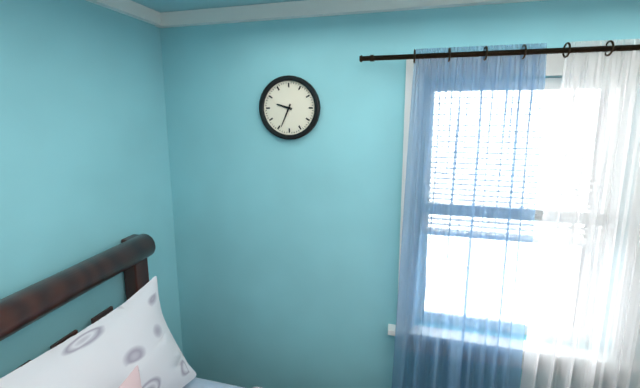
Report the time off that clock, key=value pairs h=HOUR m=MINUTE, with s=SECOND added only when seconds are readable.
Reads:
h=9 m=34
